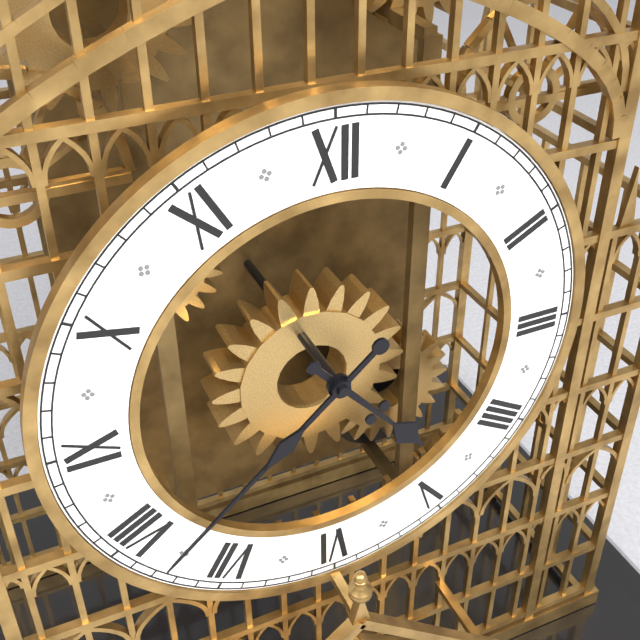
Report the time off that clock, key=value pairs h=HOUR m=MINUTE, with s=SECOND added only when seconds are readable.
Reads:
h=4 m=38
